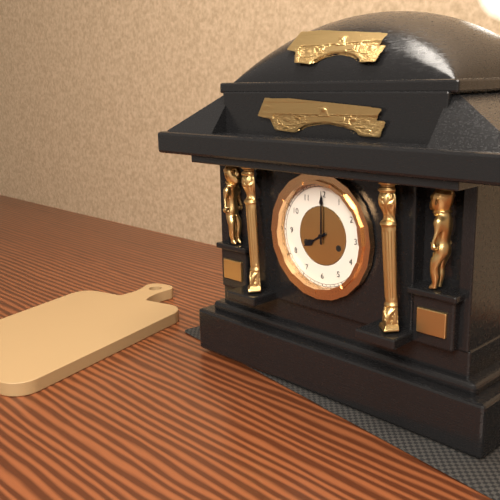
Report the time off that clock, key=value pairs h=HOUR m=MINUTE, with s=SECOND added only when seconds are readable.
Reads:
h=8 m=0
